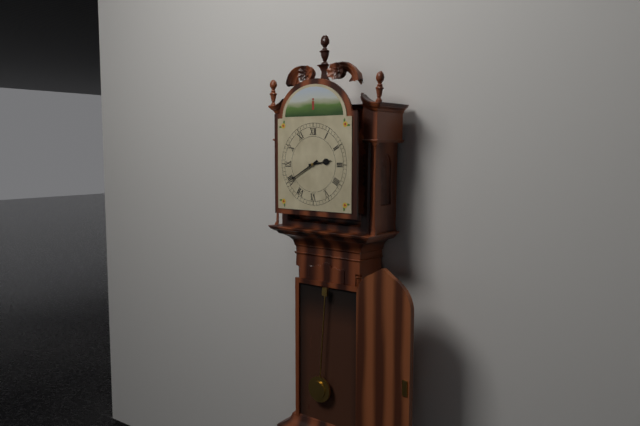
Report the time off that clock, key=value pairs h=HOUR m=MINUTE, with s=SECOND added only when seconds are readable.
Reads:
h=2 m=40
